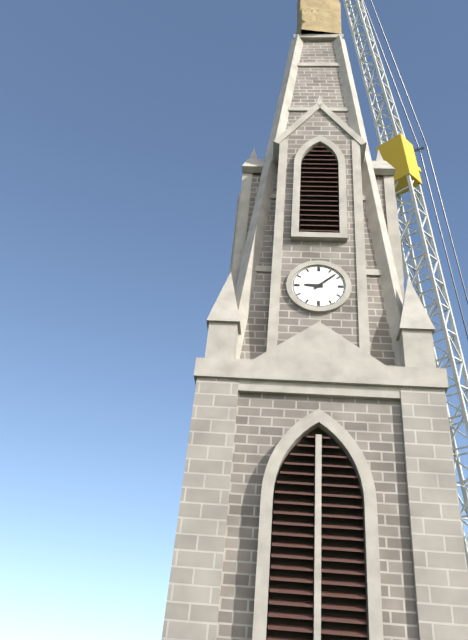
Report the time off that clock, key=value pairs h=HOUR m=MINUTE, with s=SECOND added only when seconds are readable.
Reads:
h=9 m=8
